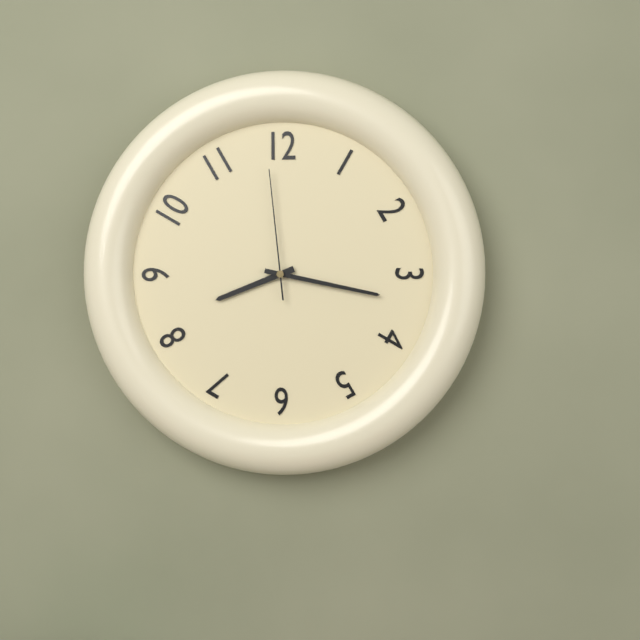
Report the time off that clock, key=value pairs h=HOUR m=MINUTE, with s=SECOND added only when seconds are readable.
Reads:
h=8 m=17 s=59
